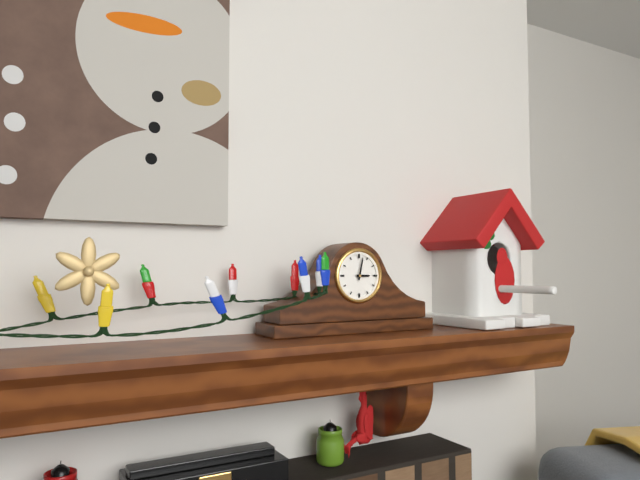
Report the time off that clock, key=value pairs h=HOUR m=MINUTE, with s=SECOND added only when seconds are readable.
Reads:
h=3 m=2
